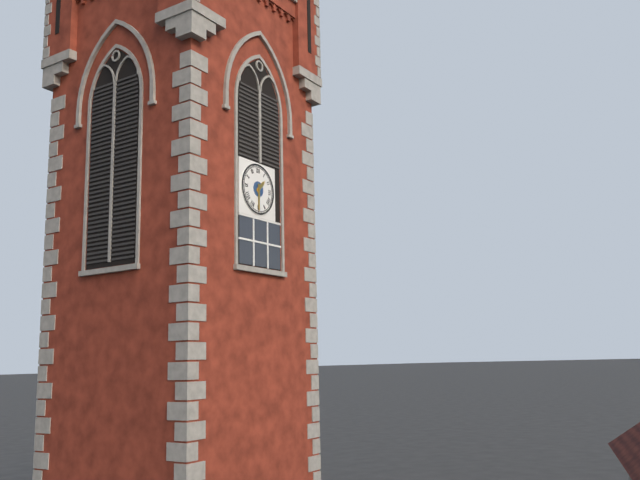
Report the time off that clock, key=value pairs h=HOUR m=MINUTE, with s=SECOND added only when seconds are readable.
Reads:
h=1 m=30
